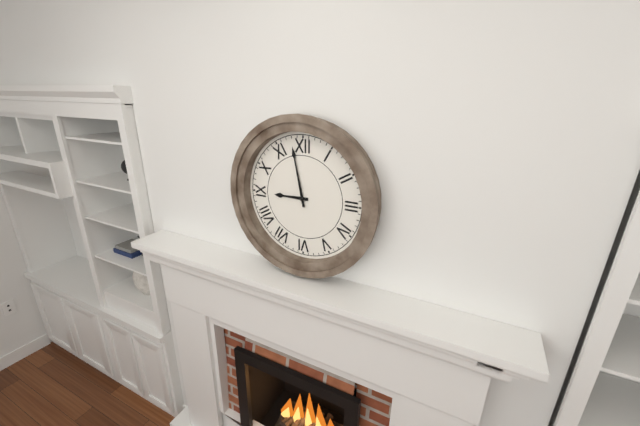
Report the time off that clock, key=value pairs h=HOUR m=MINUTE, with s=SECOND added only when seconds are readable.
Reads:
h=8 m=58
